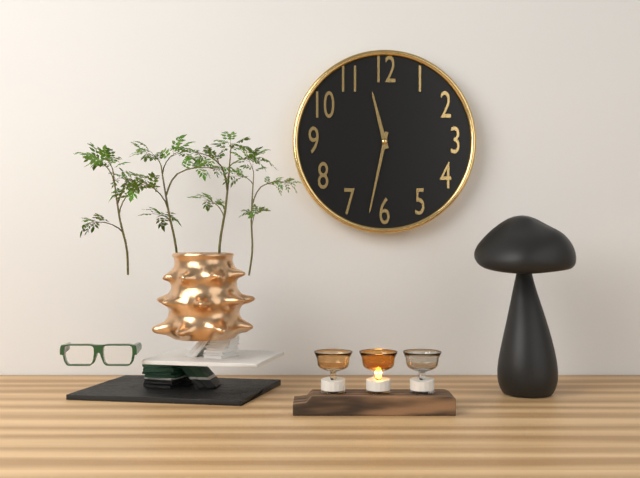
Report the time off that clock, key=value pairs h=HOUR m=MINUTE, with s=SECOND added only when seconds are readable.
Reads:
h=11 m=32
